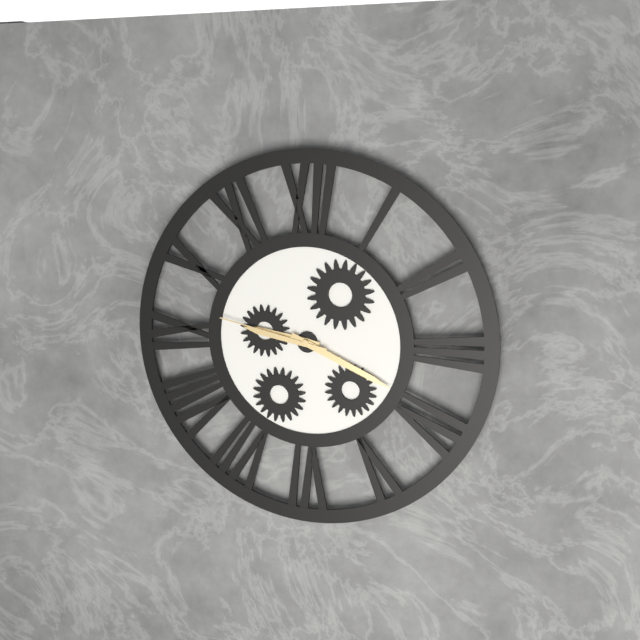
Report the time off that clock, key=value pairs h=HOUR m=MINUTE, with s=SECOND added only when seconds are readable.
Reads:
h=9 m=19 s=47
